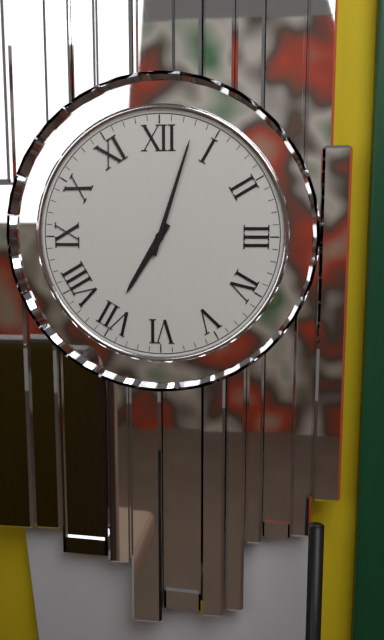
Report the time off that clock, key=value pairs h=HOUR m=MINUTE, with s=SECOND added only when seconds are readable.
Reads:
h=7 m=3
